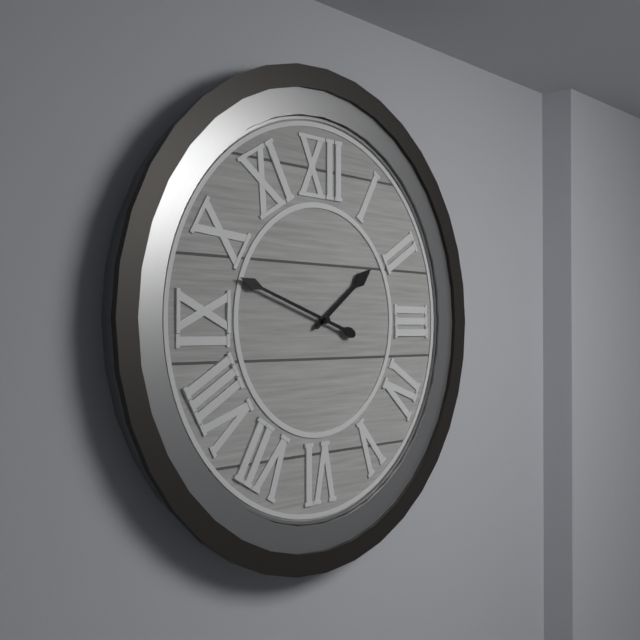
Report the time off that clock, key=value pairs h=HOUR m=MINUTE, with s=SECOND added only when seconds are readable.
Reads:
h=1 m=48
